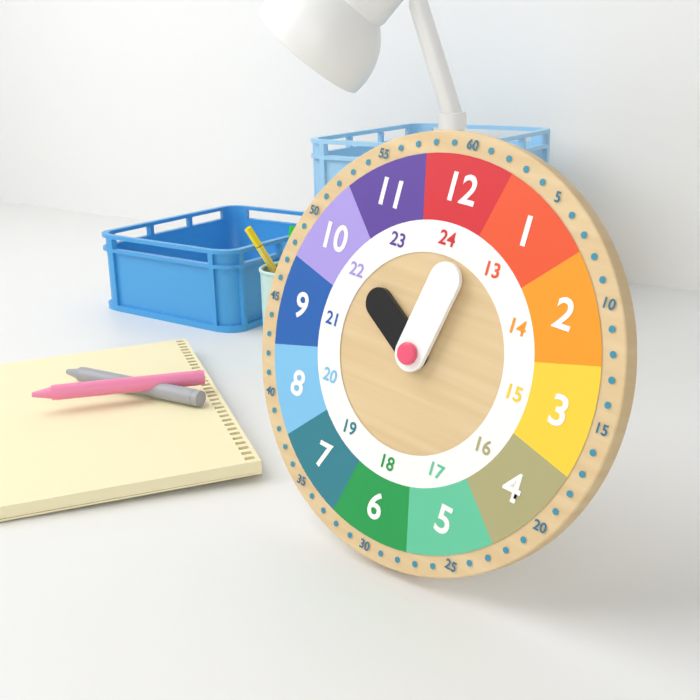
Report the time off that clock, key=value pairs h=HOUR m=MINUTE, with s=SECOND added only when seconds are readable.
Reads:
h=10 m=2
